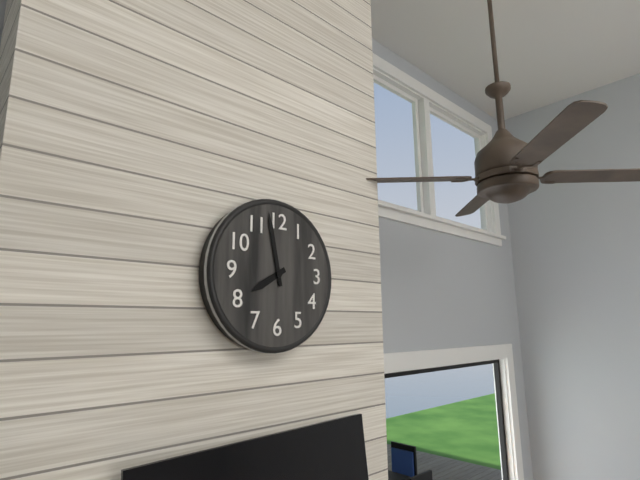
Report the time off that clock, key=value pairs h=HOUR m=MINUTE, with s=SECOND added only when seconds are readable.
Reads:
h=7 m=58
